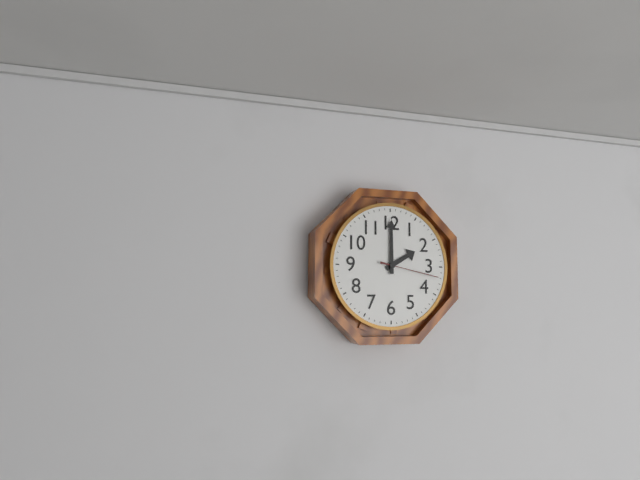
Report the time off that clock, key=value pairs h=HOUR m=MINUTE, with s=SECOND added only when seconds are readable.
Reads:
h=2 m=0 s=17
